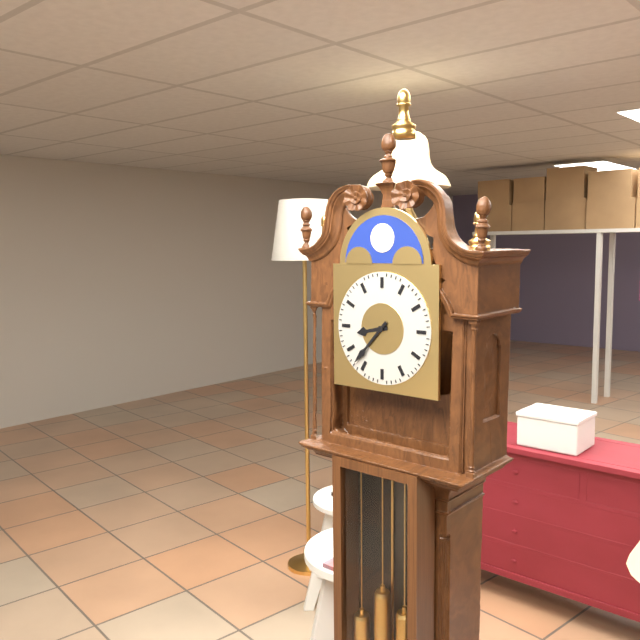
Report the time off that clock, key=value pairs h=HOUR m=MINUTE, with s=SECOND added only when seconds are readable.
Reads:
h=8 m=37
